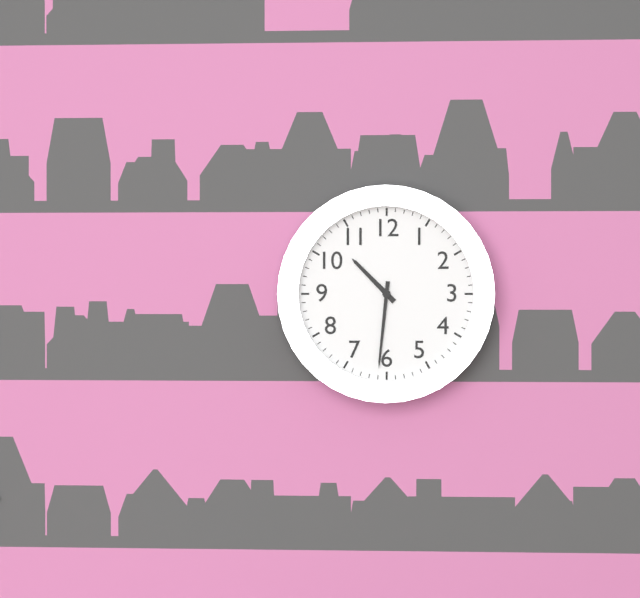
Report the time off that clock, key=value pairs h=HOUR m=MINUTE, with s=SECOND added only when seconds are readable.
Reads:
h=10 m=31
